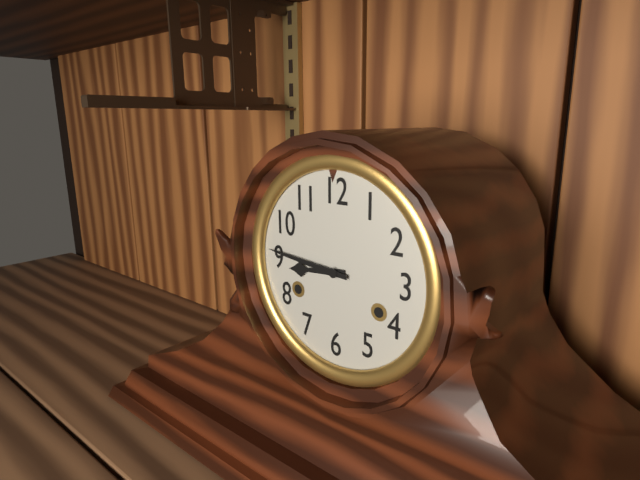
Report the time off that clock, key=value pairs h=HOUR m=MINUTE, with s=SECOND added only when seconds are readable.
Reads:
h=8 m=46
